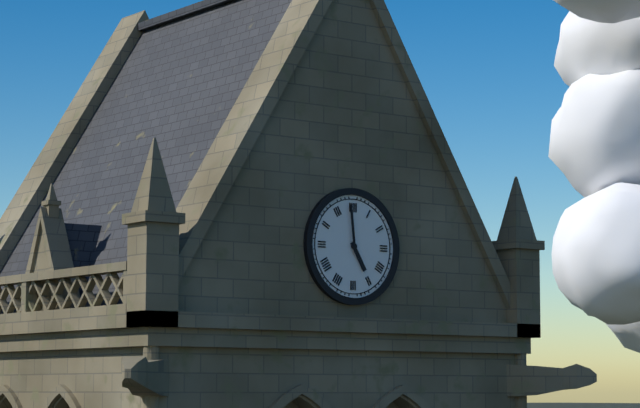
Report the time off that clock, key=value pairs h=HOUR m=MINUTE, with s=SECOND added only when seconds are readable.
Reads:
h=4 m=59
